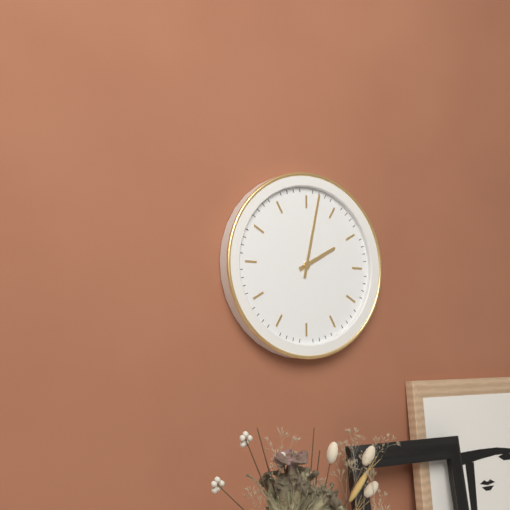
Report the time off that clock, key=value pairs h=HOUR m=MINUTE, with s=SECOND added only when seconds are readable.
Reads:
h=2 m=2
